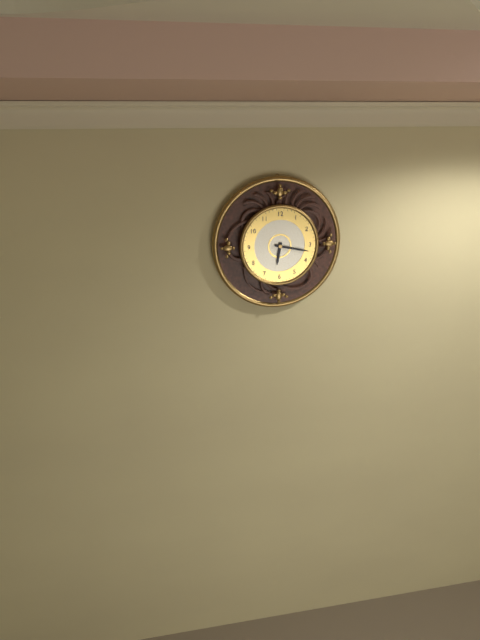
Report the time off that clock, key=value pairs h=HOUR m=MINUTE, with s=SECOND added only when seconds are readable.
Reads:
h=6 m=17
